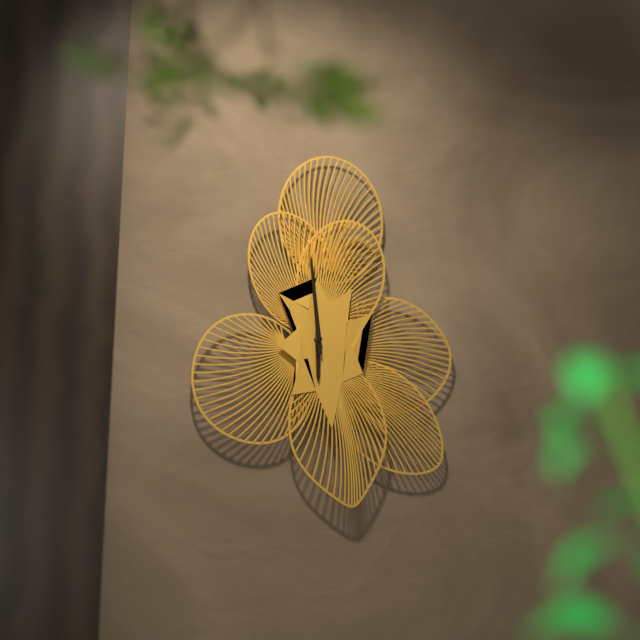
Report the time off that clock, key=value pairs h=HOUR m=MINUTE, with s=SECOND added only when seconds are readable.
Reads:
h=5 m=59
